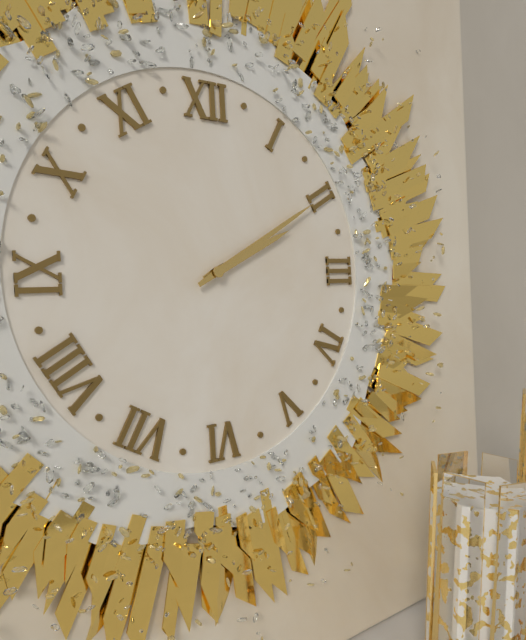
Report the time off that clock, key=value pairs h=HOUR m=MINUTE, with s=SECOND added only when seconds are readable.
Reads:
h=2 m=10
